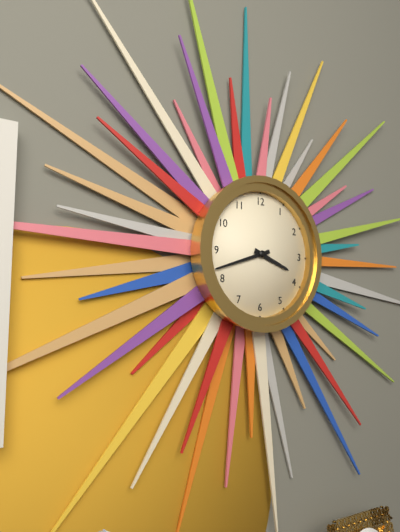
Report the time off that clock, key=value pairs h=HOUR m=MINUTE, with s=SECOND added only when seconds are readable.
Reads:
h=3 m=42
